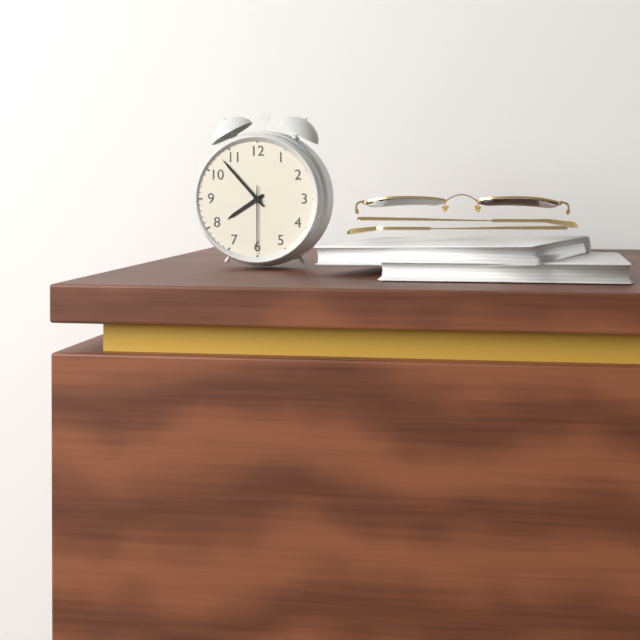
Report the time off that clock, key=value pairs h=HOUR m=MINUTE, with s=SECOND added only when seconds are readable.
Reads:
h=7 m=53 s=30
